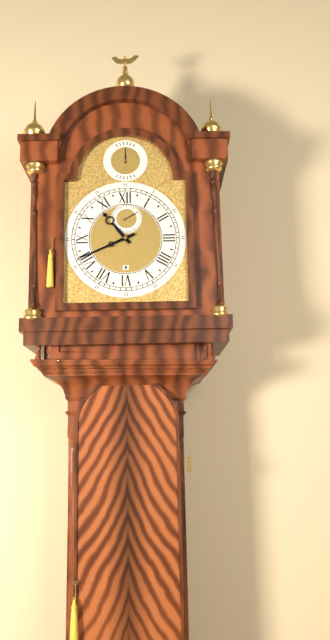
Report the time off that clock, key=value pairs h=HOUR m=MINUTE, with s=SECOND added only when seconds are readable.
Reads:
h=10 m=41
